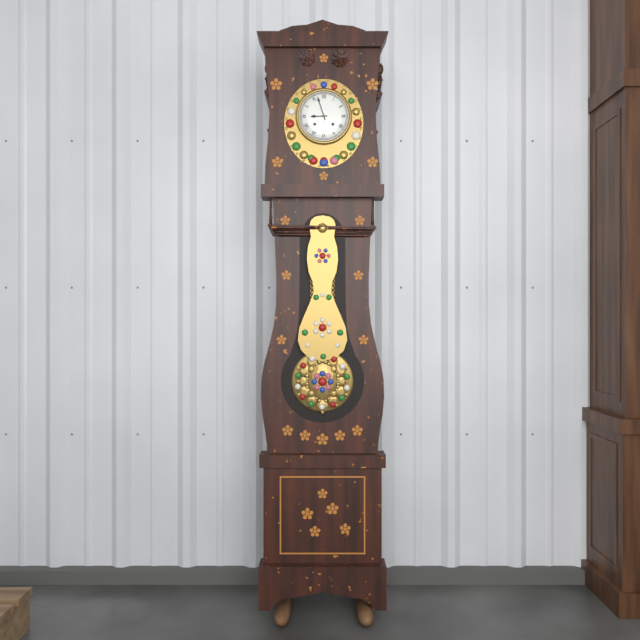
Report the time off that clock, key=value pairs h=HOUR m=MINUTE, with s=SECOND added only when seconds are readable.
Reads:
h=8 m=57
